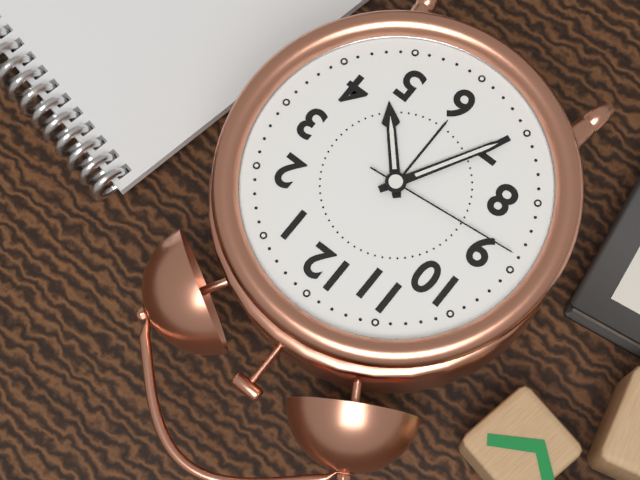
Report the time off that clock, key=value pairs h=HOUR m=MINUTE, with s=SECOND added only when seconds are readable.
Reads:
h=4 m=35 s=44
